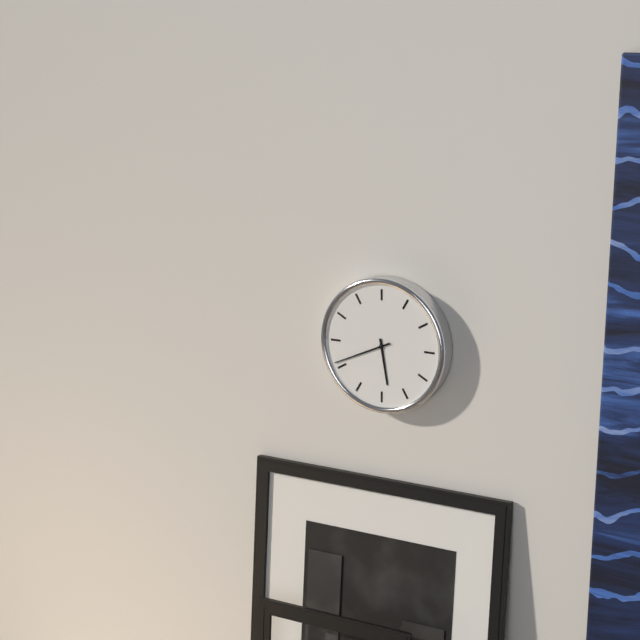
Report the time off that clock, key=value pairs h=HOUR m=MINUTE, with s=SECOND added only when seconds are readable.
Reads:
h=5 m=41
